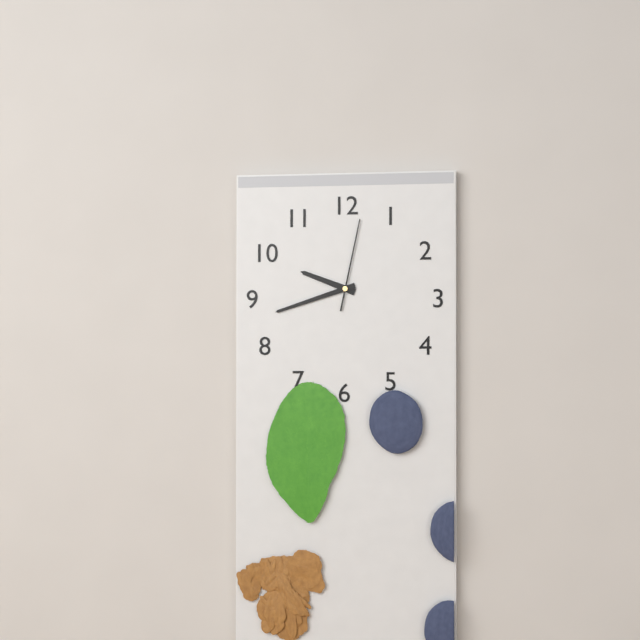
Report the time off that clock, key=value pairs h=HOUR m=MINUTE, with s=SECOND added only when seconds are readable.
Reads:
h=9 m=42 s=2
